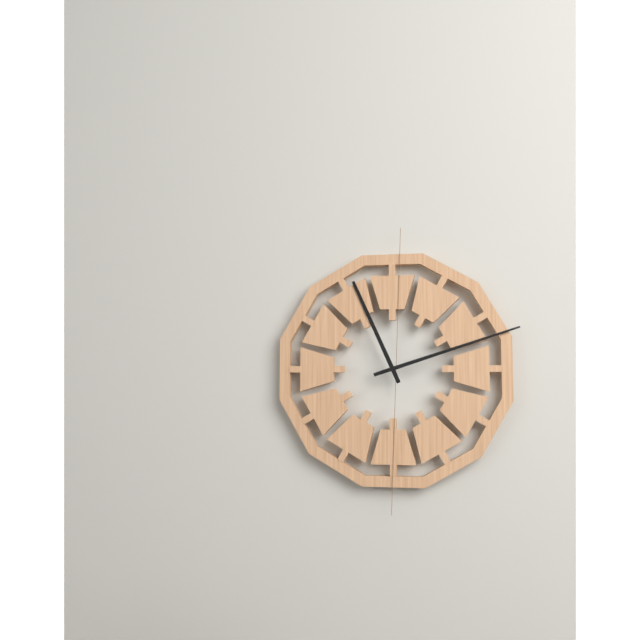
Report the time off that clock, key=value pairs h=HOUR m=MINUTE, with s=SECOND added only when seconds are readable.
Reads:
h=11 m=12
